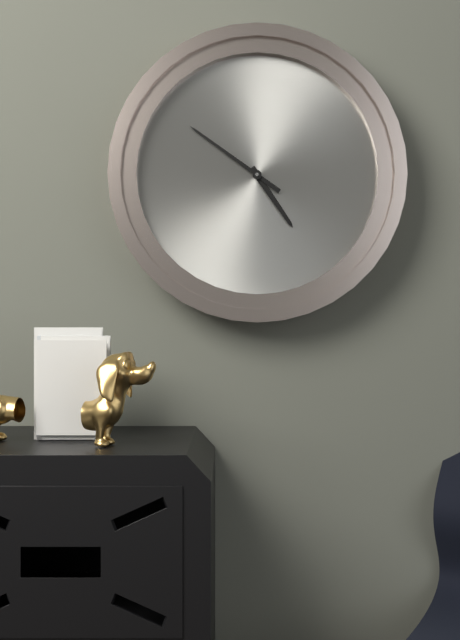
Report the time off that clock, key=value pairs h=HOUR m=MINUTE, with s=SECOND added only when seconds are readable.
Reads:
h=4 m=51
